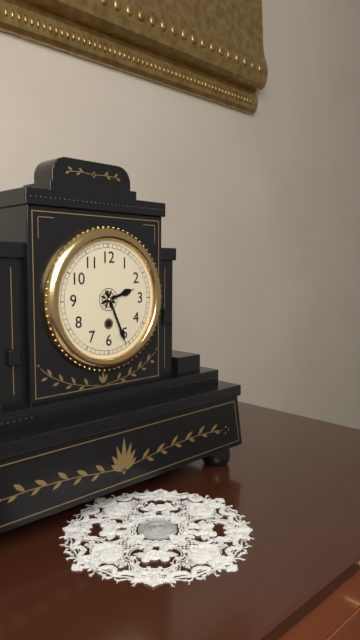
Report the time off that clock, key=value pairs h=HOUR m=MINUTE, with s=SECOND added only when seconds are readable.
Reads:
h=2 m=26
